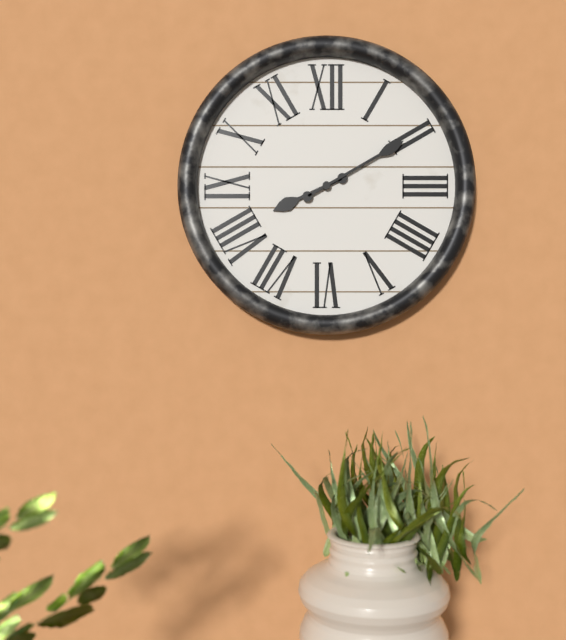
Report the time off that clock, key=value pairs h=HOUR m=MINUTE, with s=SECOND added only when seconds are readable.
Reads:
h=8 m=10
